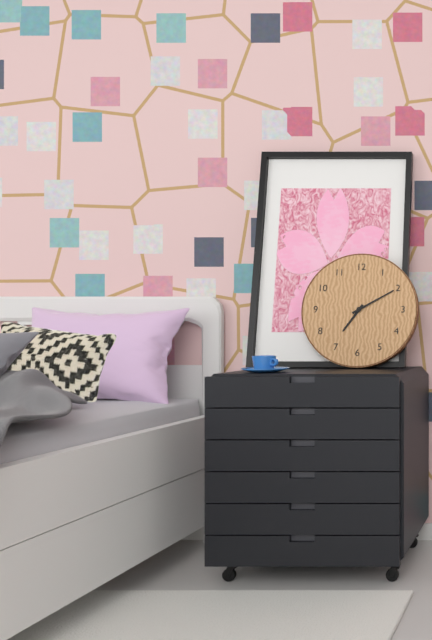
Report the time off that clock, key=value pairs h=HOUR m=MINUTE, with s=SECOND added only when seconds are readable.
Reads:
h=7 m=10
